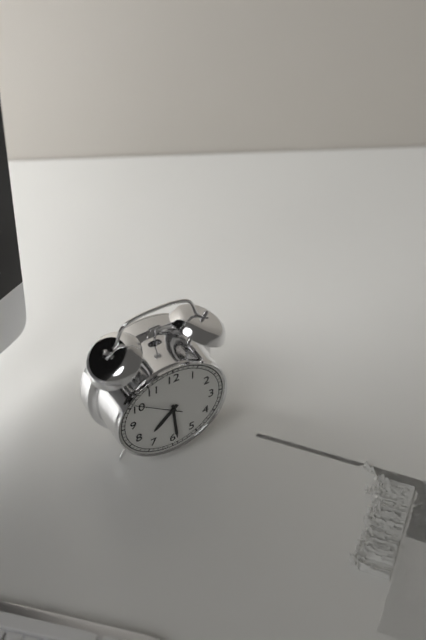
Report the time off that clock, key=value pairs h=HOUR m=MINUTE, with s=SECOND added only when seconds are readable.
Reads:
h=7 m=29
